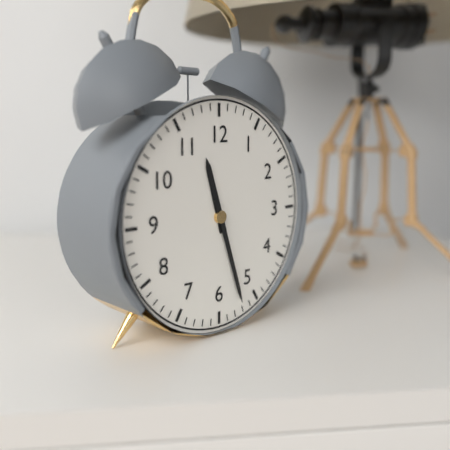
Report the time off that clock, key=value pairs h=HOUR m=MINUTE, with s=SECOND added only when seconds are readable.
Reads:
h=11 m=27
